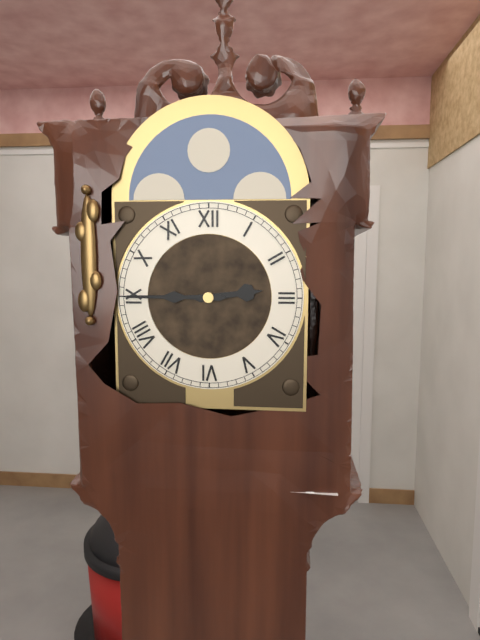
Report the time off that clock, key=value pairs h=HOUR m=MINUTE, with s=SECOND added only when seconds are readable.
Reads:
h=2 m=45
